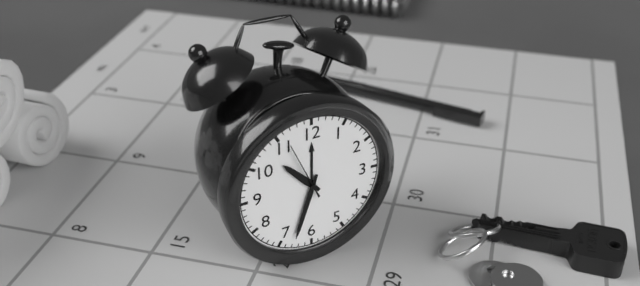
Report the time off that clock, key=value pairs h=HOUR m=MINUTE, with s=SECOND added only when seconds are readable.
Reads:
h=10 m=33 s=56
